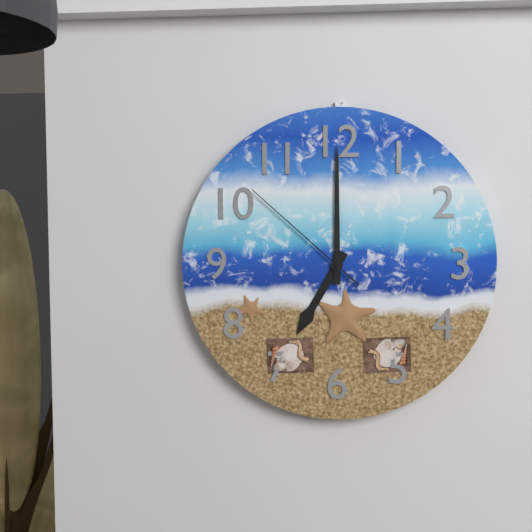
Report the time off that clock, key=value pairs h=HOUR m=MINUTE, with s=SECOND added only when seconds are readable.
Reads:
h=7 m=0 s=52
